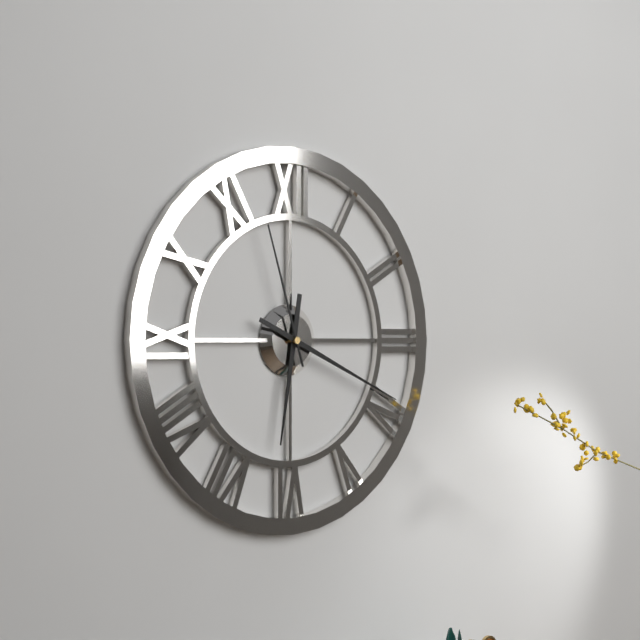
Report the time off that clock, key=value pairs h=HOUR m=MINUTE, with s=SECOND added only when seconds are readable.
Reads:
h=6 m=19 s=57
